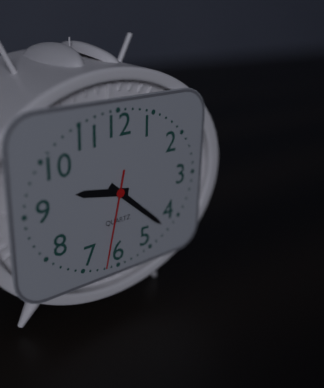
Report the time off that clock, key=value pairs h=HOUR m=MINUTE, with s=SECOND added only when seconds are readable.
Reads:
h=9 m=22 s=32
